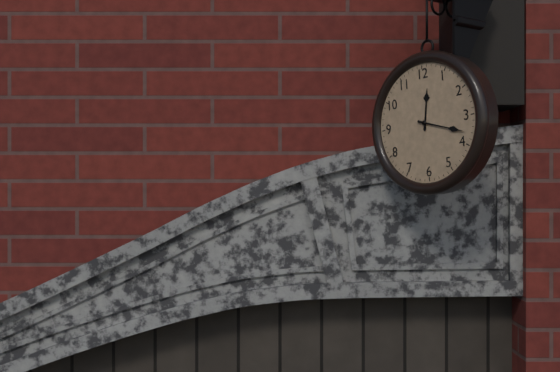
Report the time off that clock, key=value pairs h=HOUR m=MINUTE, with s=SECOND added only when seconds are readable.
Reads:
h=12 m=18
